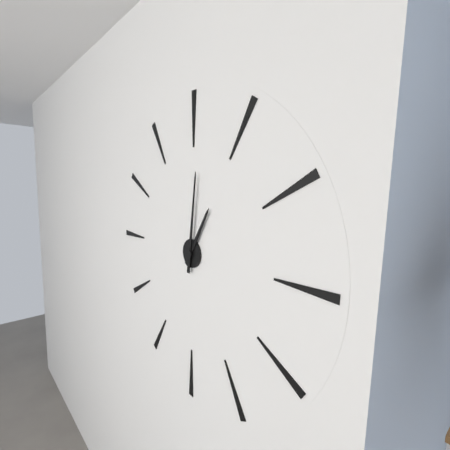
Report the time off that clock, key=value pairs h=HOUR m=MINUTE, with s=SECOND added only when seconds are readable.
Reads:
h=1 m=1
